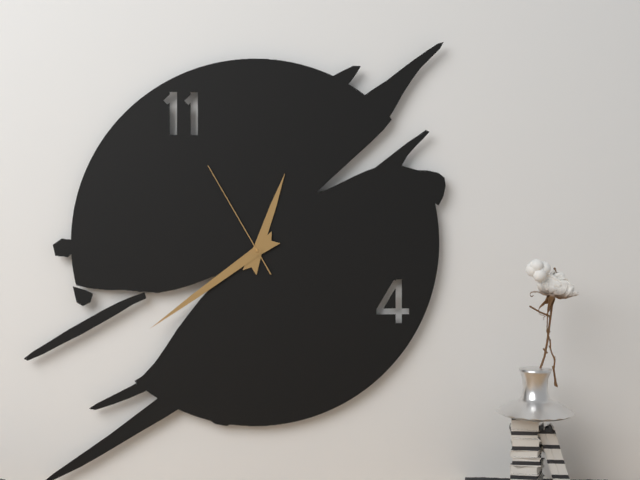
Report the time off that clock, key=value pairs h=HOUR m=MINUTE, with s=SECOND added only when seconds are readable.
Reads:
h=12 m=39 s=55
